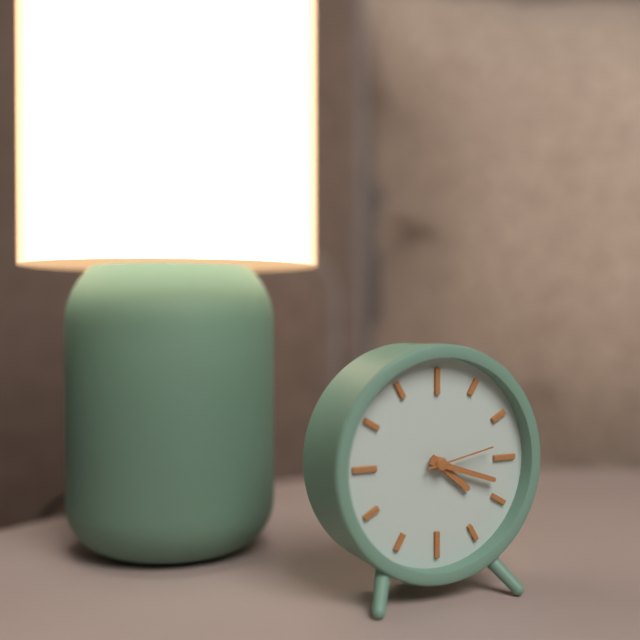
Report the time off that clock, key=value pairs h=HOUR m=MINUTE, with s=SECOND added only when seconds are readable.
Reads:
h=4 m=18 s=13
